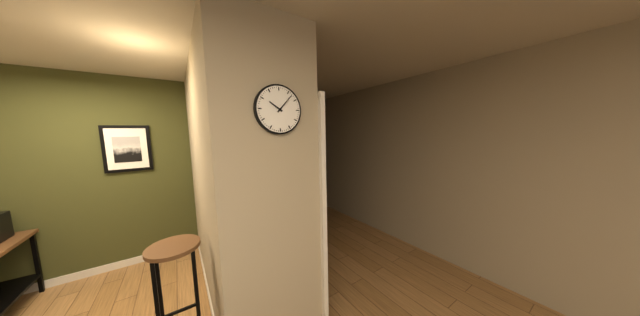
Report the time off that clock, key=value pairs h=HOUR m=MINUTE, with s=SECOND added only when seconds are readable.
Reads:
h=10 m=7
